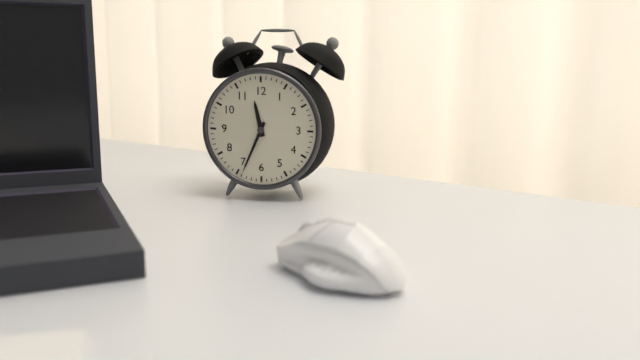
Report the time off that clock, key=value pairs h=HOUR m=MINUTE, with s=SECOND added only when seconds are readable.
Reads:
h=11 m=34
